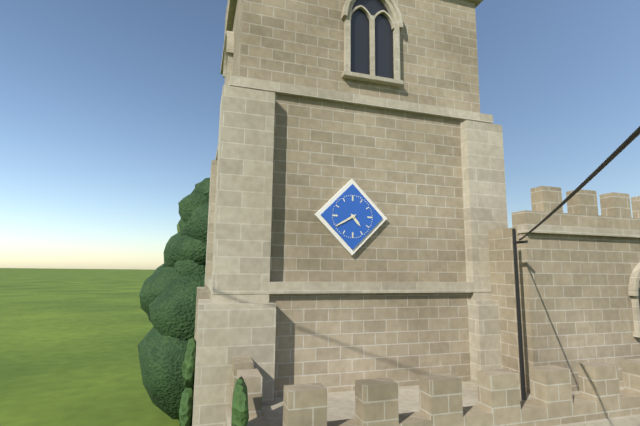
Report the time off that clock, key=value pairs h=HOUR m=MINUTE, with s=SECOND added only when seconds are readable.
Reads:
h=4 m=40
